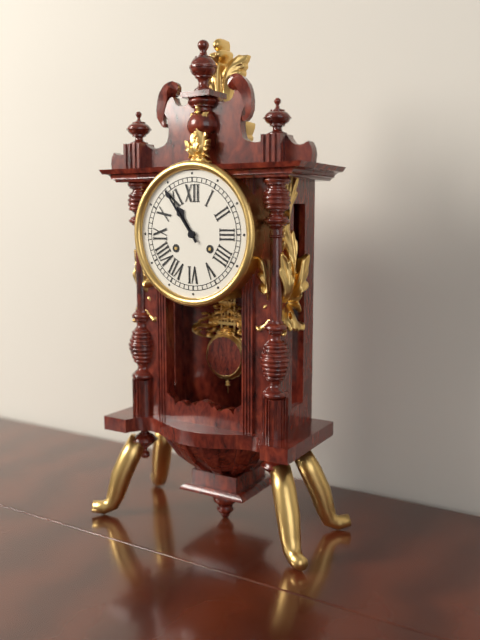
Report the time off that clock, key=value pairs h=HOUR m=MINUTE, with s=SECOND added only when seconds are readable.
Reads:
h=10 m=54
